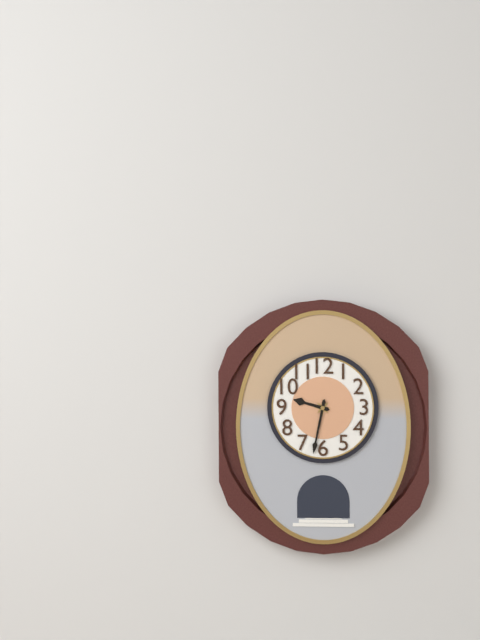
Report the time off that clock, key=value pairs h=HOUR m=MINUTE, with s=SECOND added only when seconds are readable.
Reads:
h=9 m=32
